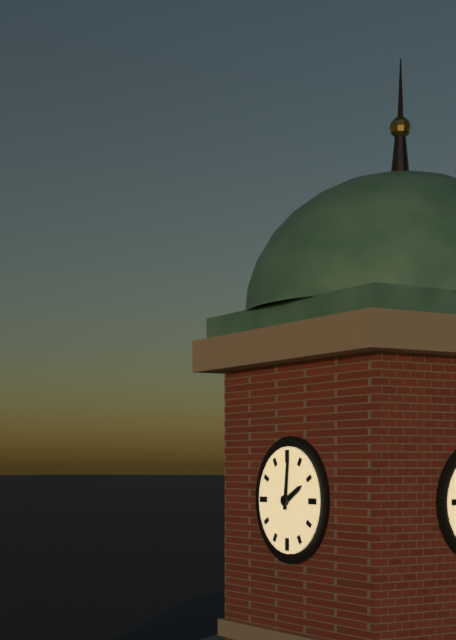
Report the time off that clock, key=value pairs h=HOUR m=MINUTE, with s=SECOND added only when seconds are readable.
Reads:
h=2 m=1
